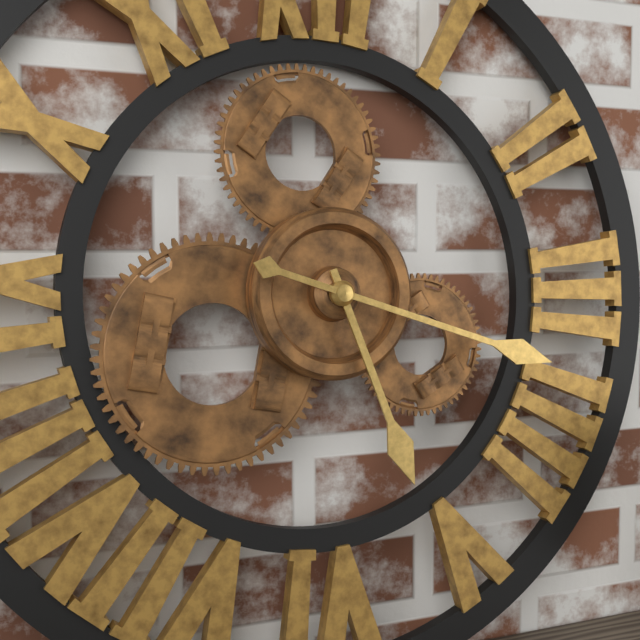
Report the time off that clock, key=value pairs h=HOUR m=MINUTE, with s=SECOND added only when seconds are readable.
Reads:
h=5 m=18
